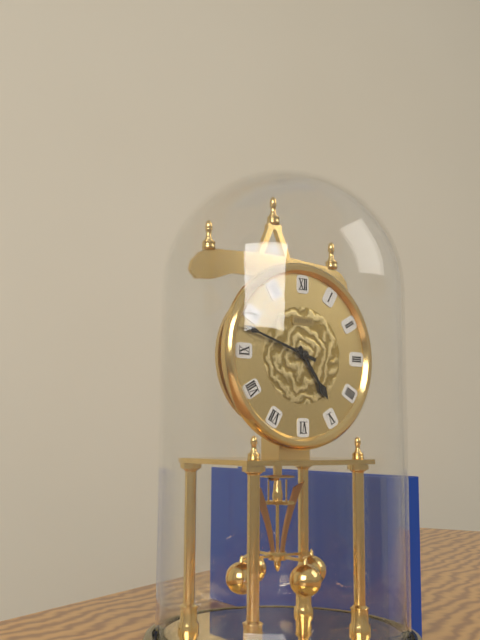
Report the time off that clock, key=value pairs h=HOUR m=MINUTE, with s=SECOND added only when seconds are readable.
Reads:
h=4 m=48
